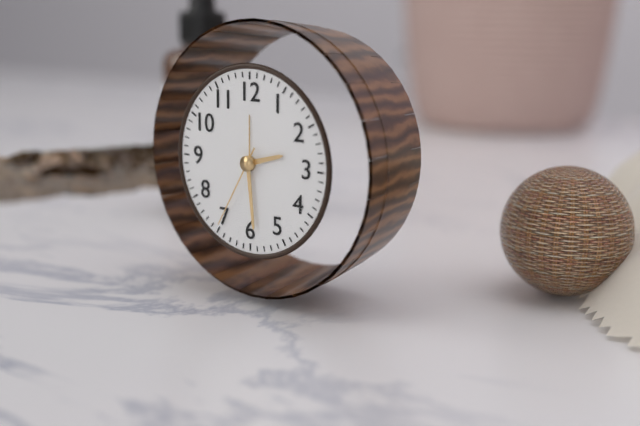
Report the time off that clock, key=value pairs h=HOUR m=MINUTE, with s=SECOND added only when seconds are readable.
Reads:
h=2 m=29 s=35
